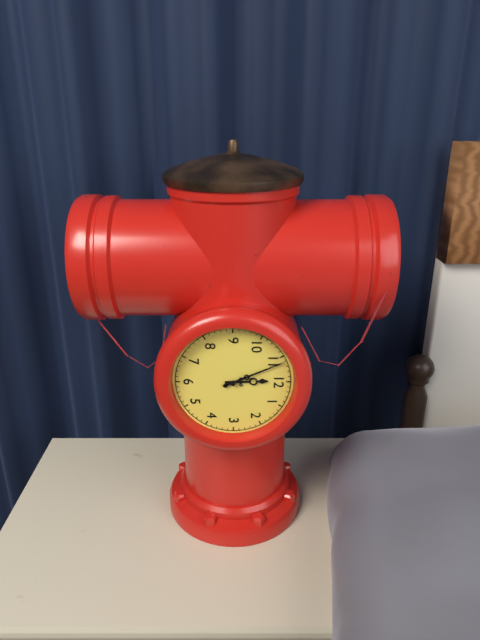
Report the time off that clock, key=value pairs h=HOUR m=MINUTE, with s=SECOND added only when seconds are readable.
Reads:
h=11 m=56
